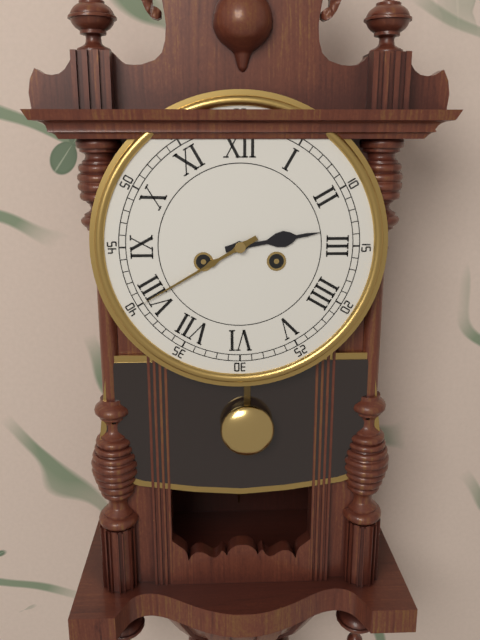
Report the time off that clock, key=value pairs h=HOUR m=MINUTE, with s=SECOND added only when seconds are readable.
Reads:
h=2 m=40
